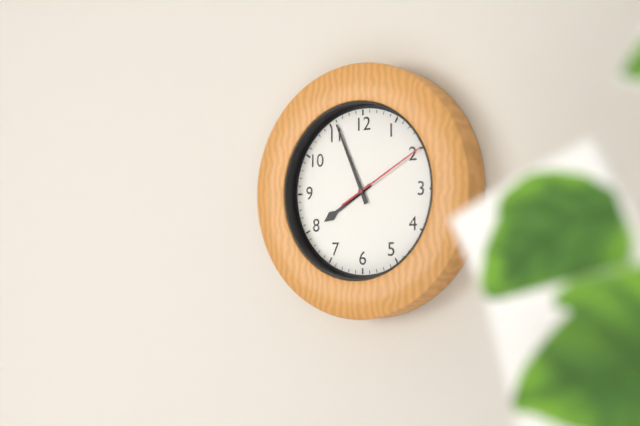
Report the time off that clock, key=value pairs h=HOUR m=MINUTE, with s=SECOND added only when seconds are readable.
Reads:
h=7 m=56 s=10
